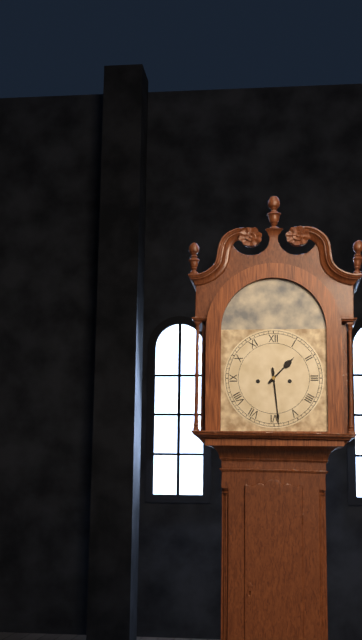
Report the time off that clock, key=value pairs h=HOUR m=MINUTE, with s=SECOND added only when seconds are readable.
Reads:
h=1 m=29
